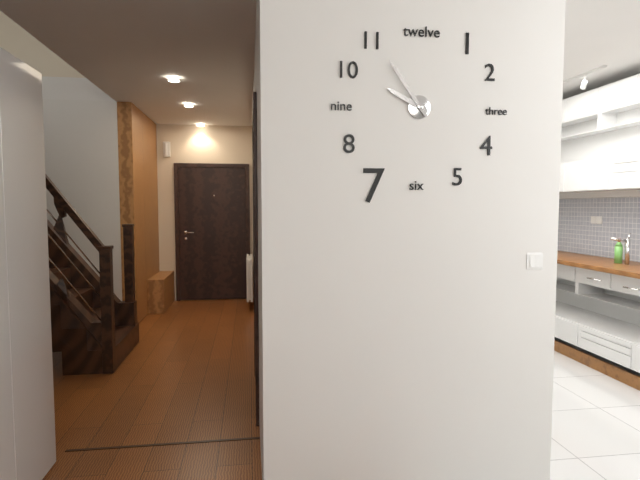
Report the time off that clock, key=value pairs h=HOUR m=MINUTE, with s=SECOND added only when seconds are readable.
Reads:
h=9 m=54
